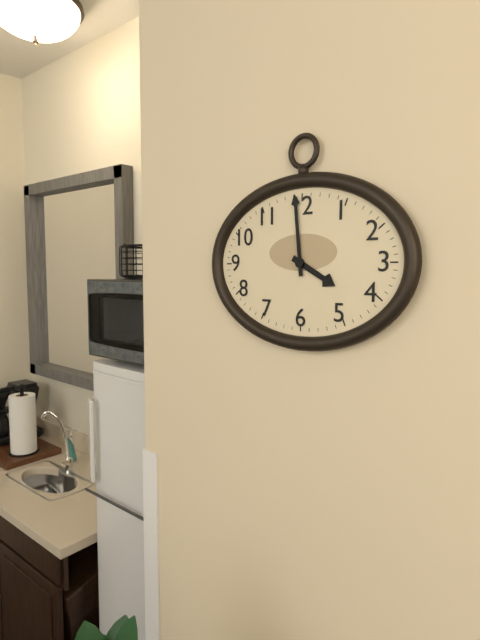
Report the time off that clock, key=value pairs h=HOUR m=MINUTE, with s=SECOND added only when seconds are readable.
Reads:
h=3 m=59
